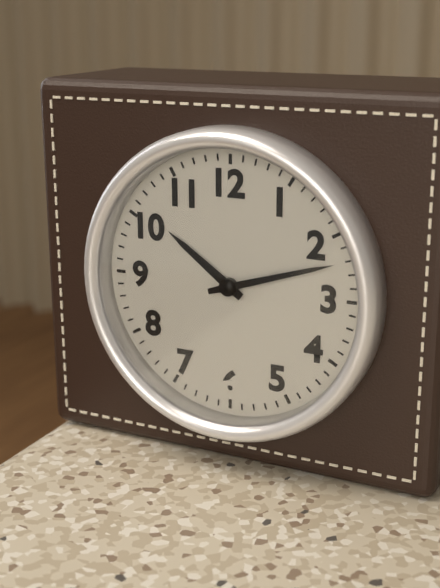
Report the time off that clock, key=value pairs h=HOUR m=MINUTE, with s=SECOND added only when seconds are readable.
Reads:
h=10 m=12
